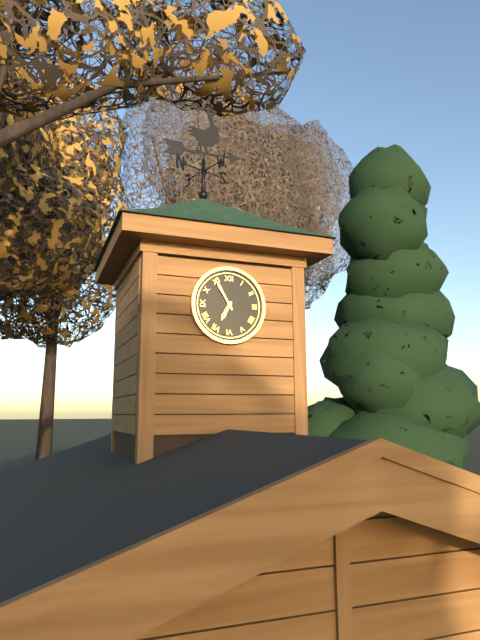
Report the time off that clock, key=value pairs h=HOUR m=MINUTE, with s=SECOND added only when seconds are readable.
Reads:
h=6 m=55
